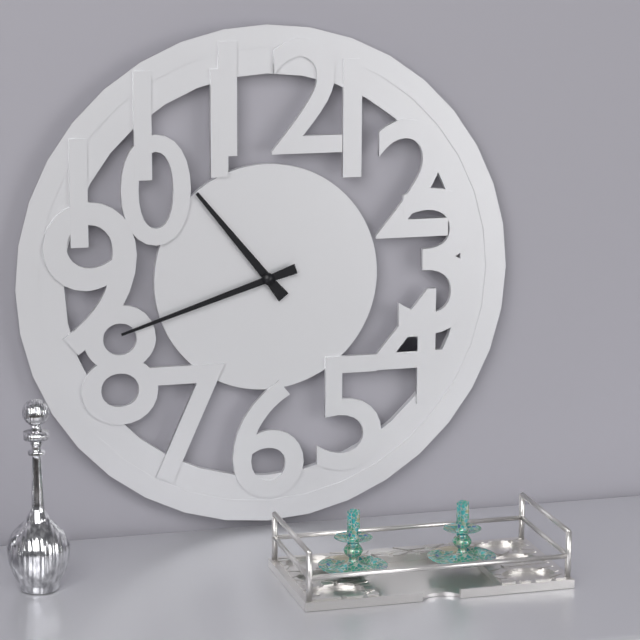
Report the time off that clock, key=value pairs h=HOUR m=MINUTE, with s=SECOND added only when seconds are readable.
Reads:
h=10 m=42
